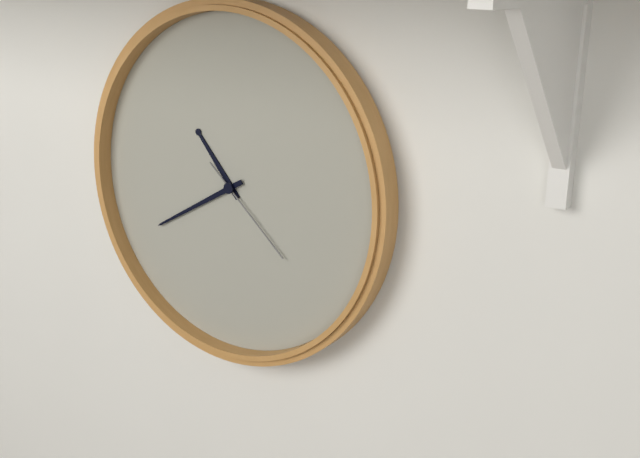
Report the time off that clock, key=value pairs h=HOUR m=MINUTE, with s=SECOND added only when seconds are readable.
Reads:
h=10 m=40 s=22
